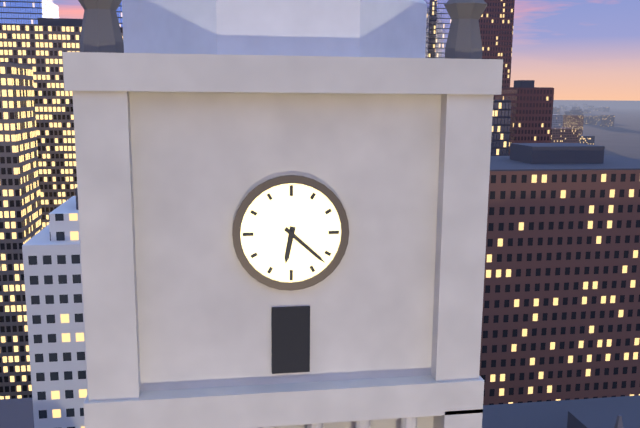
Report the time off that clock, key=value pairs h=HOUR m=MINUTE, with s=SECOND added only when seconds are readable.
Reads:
h=6 m=22
